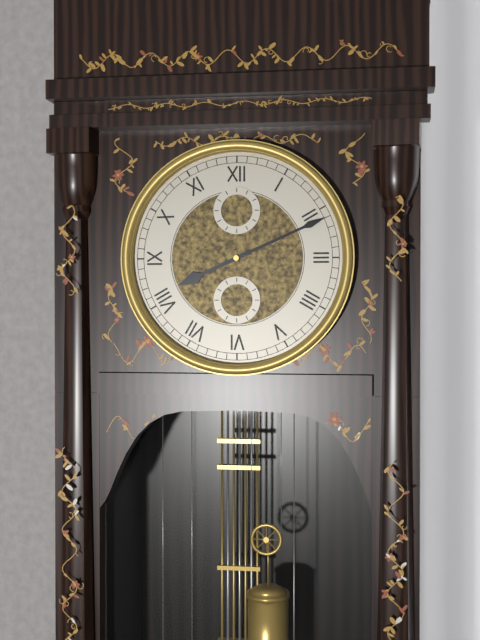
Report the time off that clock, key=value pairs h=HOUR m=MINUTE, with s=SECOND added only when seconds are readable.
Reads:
h=8 m=11
